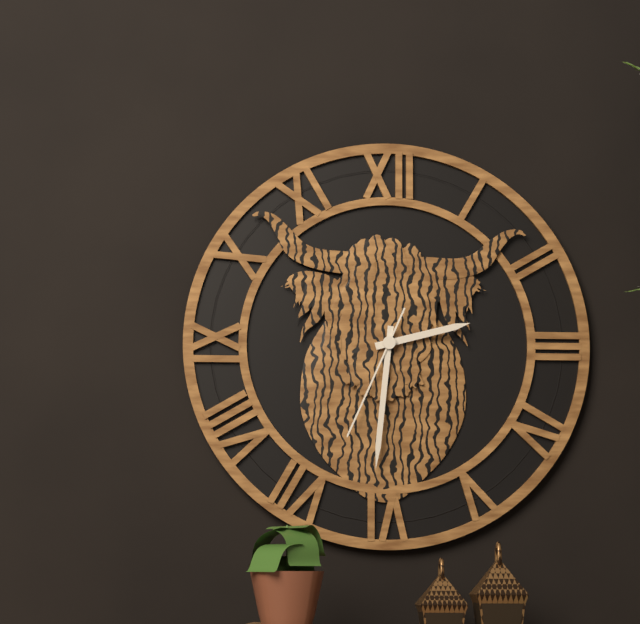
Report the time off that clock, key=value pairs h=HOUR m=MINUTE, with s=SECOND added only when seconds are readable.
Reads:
h=2 m=31 s=34
